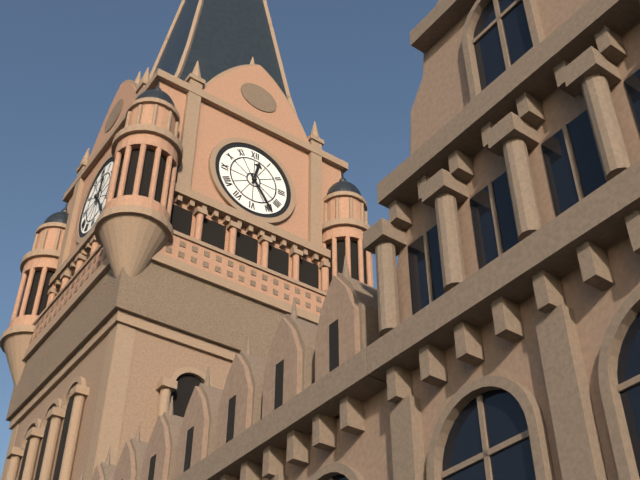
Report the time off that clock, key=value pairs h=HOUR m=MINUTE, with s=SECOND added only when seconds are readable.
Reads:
h=12 m=24
